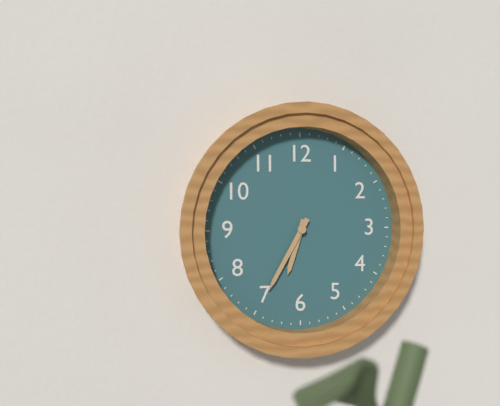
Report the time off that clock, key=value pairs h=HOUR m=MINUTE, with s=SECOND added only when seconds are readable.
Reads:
h=6 m=35
